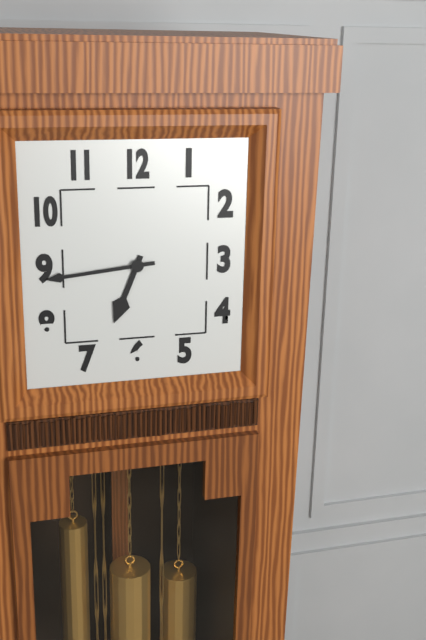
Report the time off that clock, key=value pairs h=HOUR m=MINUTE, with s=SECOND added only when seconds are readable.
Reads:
h=6 m=44
